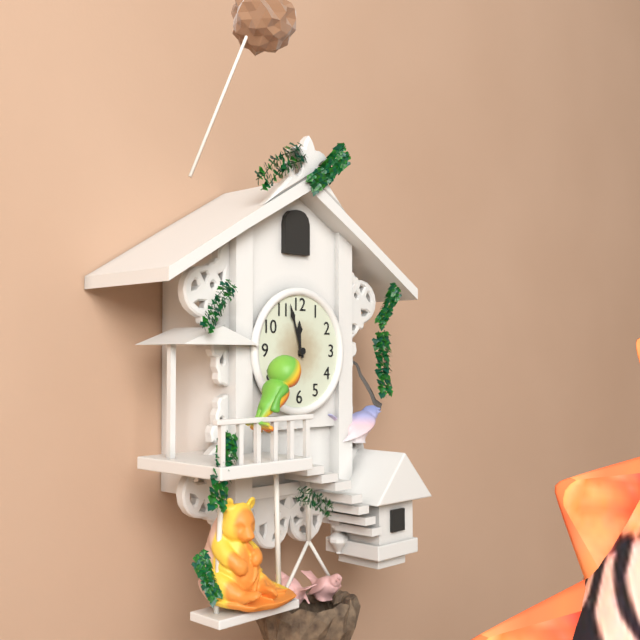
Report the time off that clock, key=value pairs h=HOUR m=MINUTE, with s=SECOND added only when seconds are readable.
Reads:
h=11 m=57
